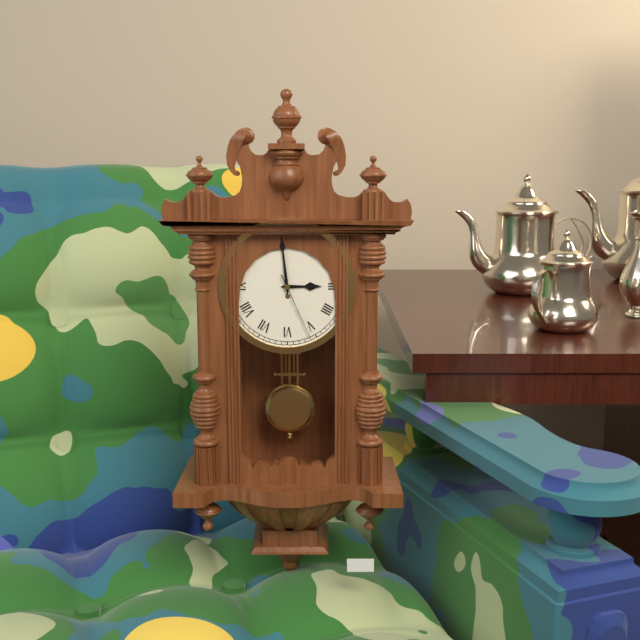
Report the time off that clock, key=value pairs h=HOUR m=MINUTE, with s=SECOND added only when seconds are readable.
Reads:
h=2 m=59 s=26
